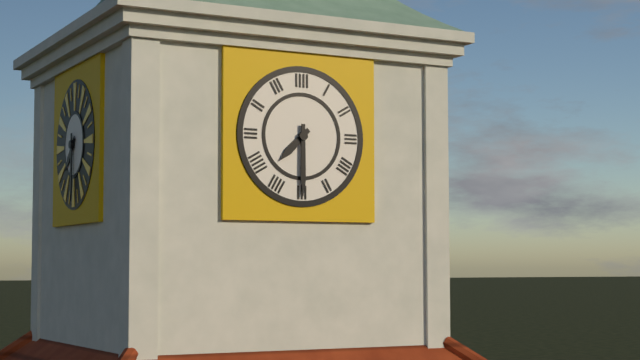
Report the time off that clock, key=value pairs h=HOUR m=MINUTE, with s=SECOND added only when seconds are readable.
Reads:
h=7 m=30
